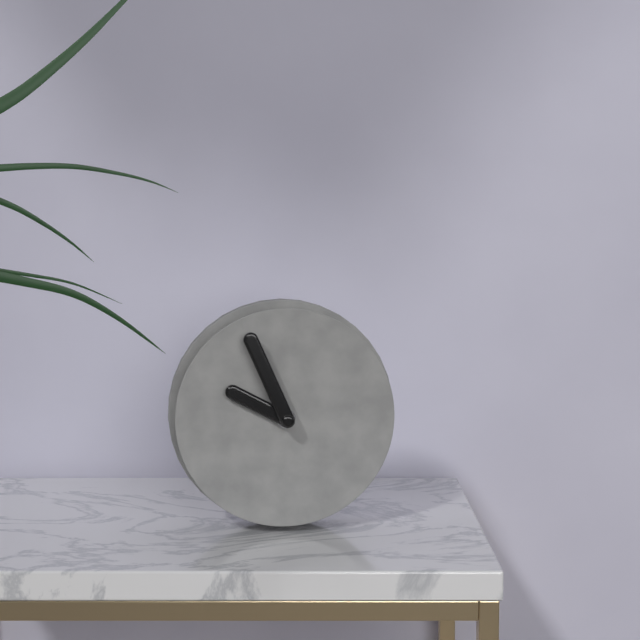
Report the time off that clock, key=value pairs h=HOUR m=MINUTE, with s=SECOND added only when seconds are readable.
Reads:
h=9 m=56
